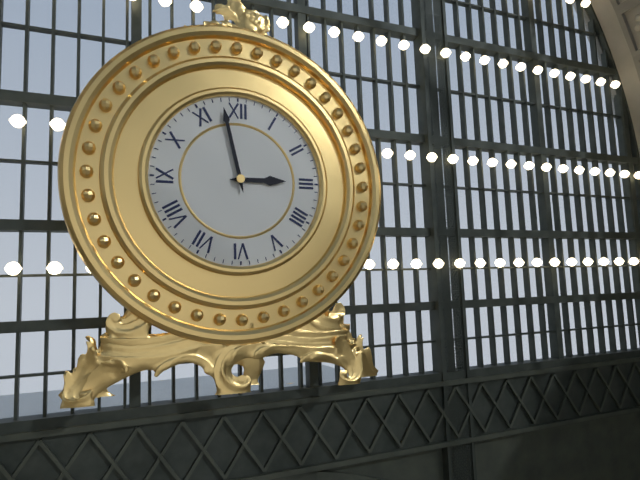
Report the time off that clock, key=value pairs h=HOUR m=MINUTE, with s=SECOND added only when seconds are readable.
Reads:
h=2 m=58
